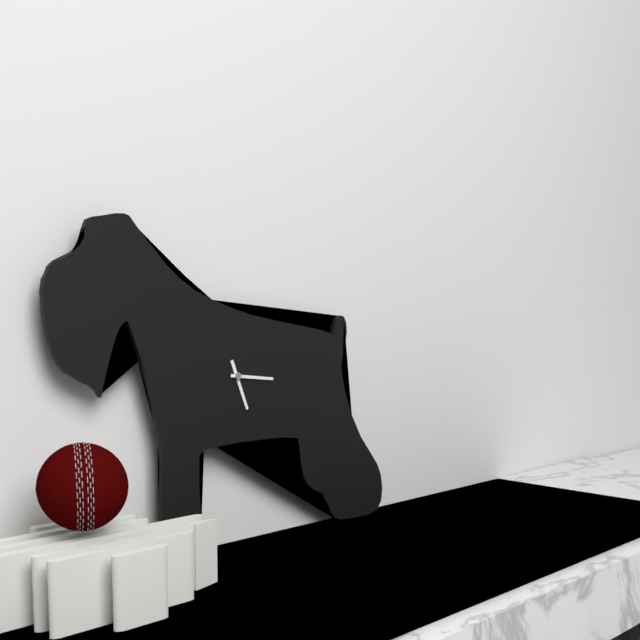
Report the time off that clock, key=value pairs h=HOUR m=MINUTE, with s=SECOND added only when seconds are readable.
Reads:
h=5 m=16
